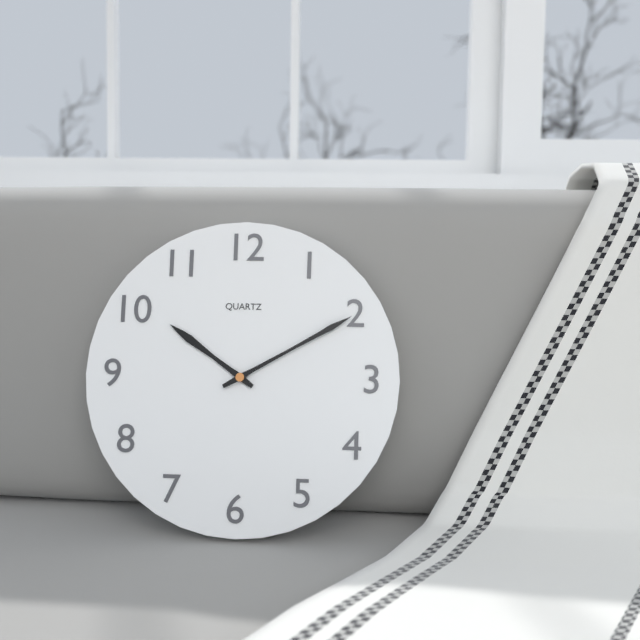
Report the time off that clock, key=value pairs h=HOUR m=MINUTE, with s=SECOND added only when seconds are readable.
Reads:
h=10 m=10
